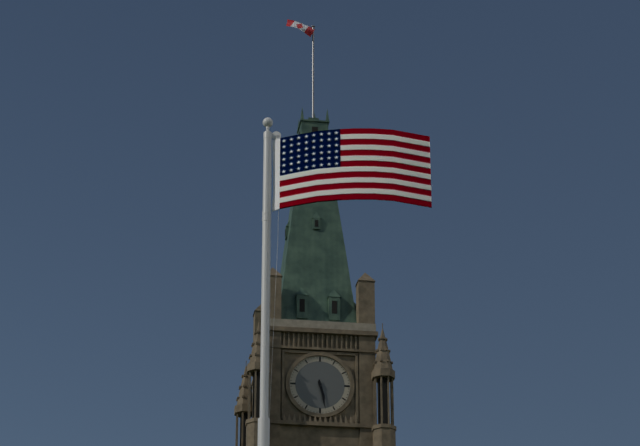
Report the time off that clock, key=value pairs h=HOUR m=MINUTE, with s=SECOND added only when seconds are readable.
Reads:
h=5 m=28
